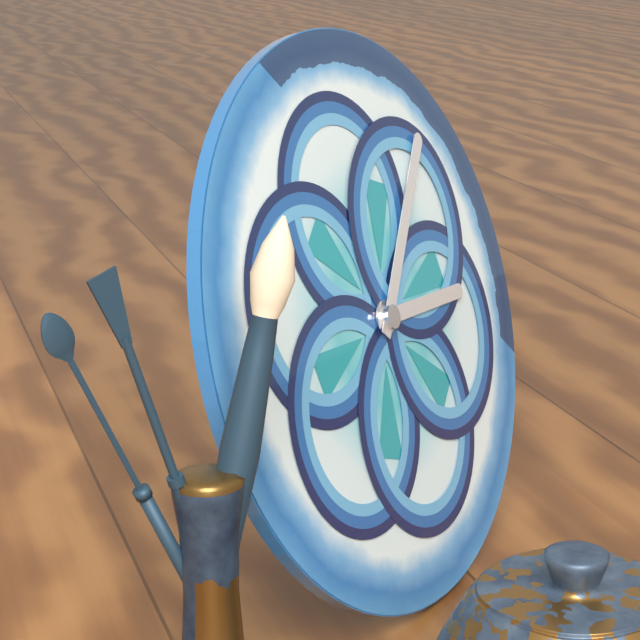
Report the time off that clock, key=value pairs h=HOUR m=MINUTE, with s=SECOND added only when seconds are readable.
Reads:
h=3 m=7
